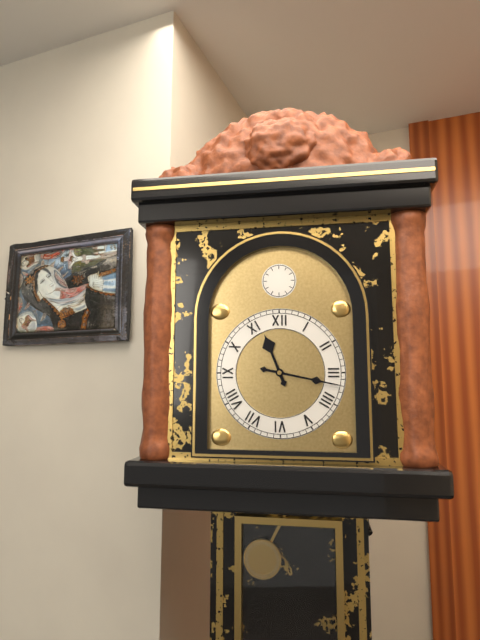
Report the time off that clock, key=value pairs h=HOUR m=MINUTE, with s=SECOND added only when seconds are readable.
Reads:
h=11 m=17
